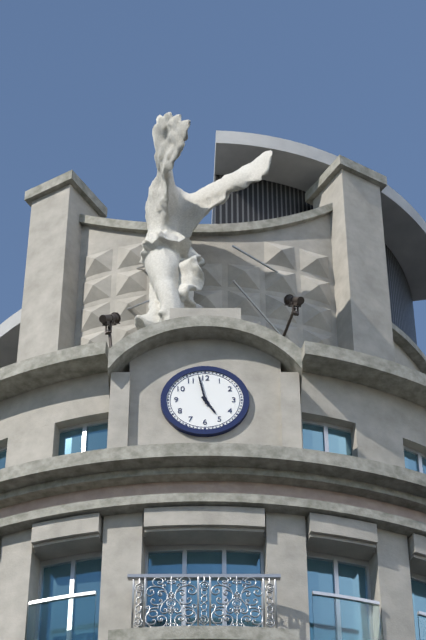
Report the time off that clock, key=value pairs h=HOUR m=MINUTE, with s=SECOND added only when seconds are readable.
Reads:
h=4 m=58
